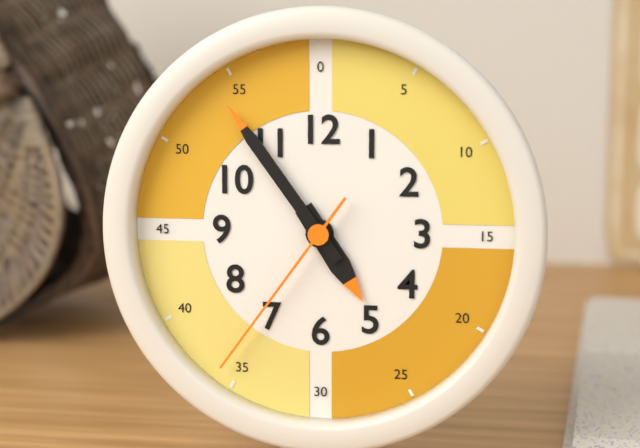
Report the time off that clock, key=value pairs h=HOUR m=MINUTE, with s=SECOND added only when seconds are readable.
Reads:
h=4 m=54 s=36
